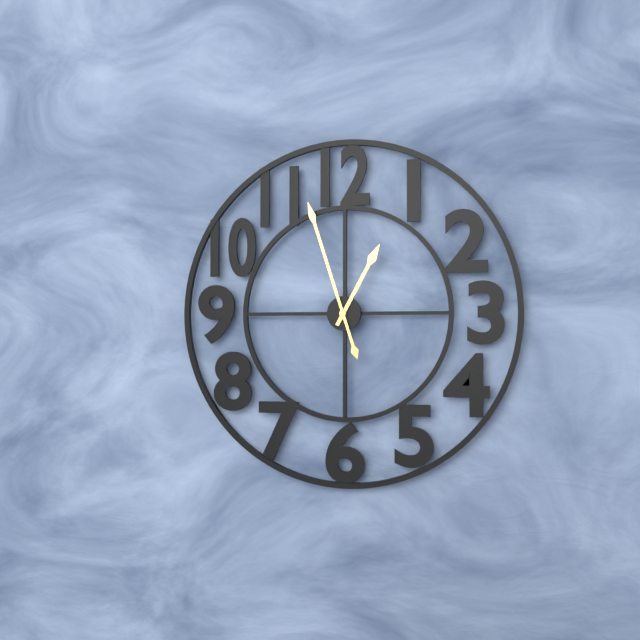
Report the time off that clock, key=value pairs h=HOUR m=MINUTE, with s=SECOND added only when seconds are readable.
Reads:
h=12 m=57
